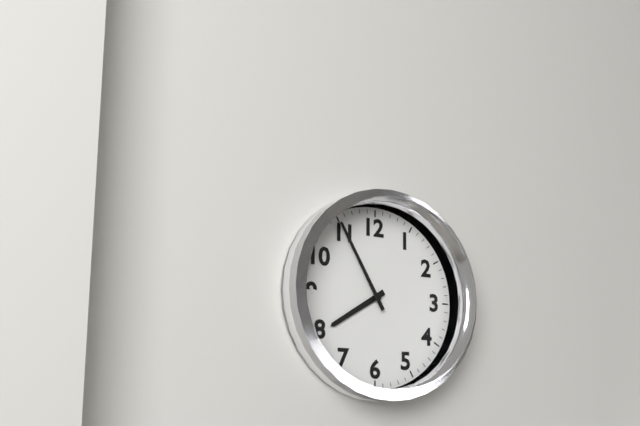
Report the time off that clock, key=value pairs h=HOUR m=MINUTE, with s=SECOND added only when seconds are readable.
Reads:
h=7 m=55
